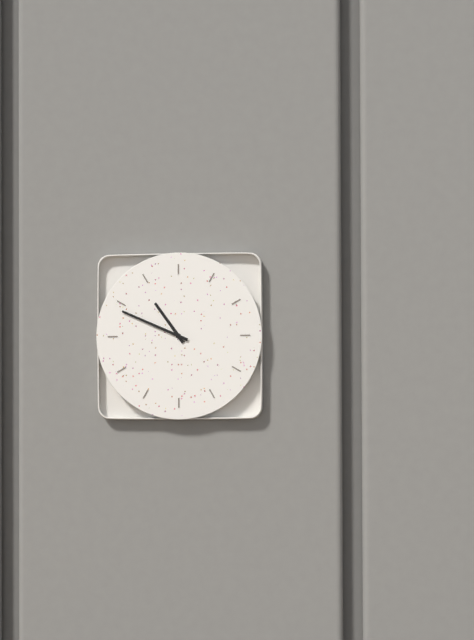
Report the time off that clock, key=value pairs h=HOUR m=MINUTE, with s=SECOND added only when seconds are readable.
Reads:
h=10 m=49
